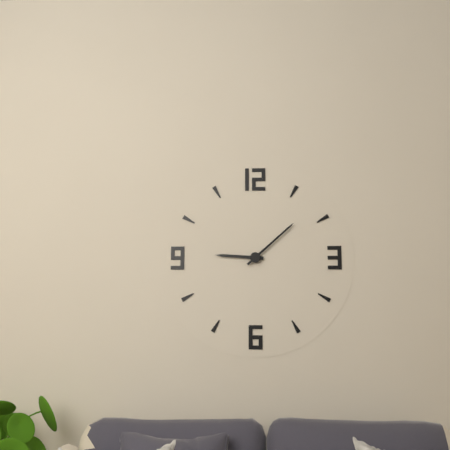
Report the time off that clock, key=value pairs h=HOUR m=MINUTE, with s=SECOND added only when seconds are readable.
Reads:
h=9 m=8
